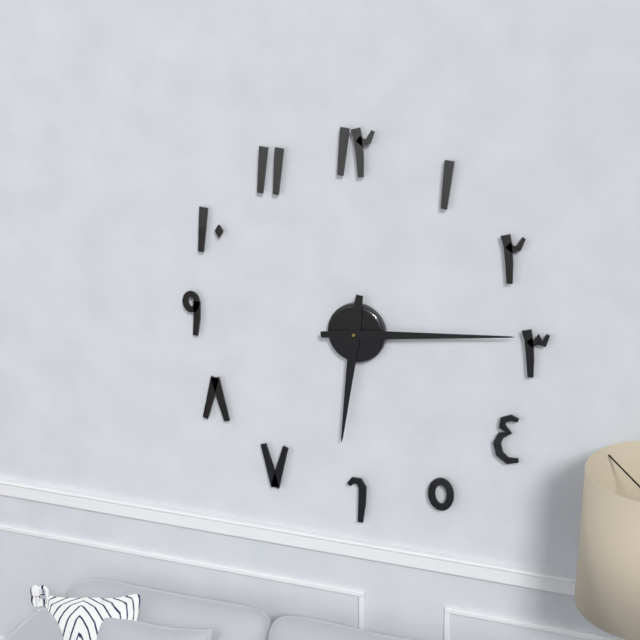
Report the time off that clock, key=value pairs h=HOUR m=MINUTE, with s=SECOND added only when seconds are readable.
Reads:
h=6 m=14
